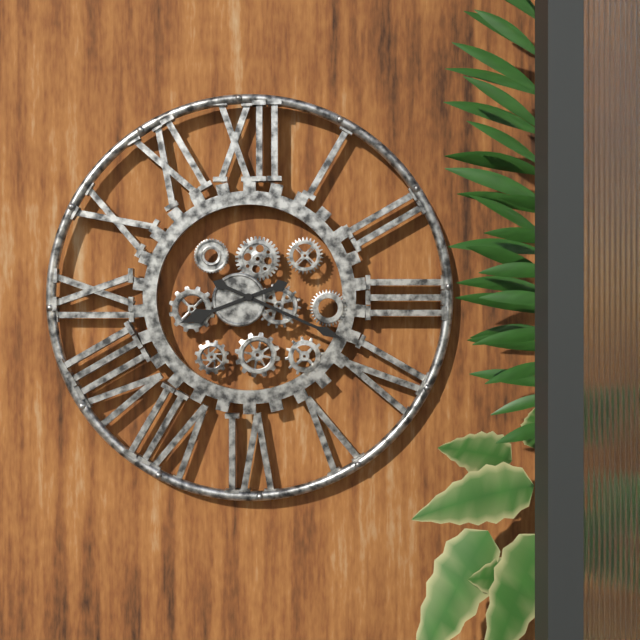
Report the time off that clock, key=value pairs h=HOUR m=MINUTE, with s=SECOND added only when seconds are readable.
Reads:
h=8 m=19
